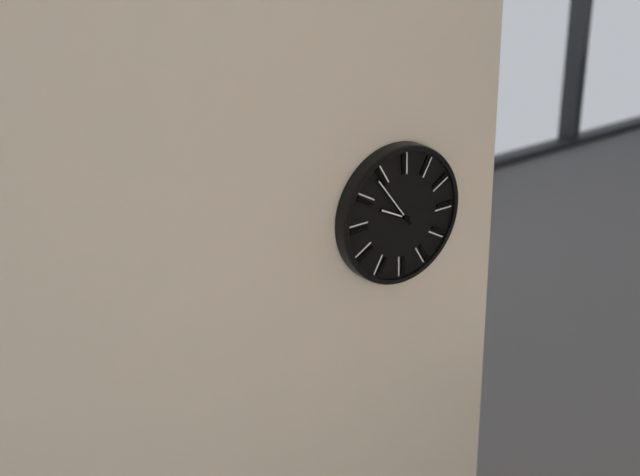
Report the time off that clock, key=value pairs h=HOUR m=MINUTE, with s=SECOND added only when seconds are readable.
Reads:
h=9 m=54
